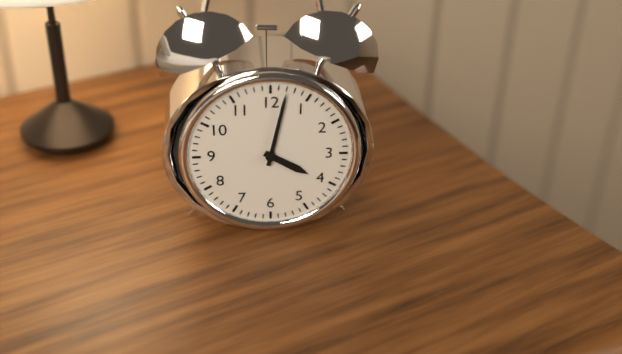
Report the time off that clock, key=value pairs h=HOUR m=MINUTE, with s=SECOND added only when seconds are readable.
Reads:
h=4 m=2
